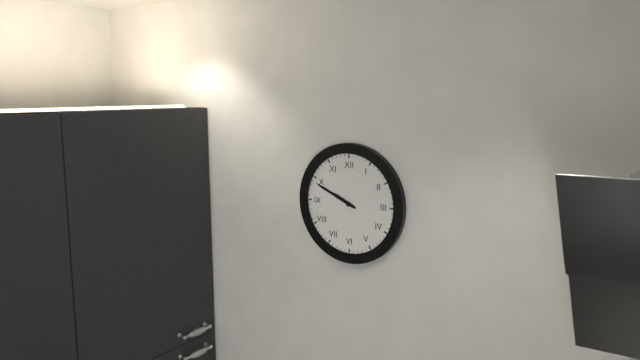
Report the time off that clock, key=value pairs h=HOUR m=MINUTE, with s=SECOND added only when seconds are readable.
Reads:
h=9 m=49
